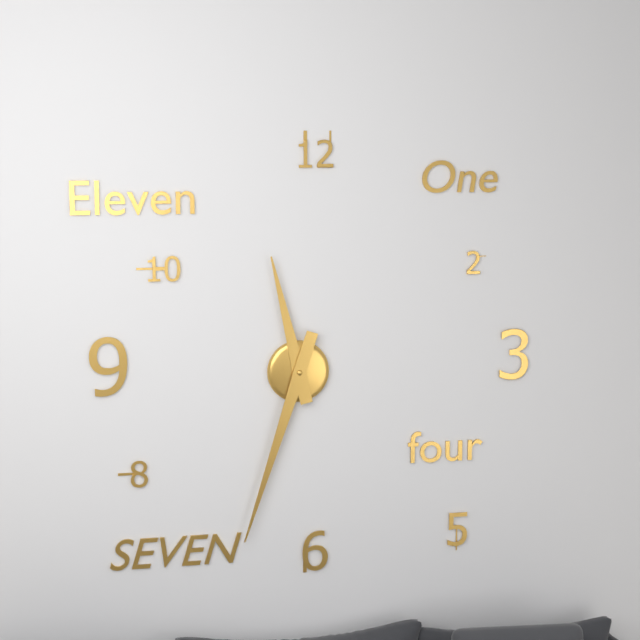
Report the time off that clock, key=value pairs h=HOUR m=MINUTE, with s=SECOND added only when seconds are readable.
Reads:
h=11 m=33
